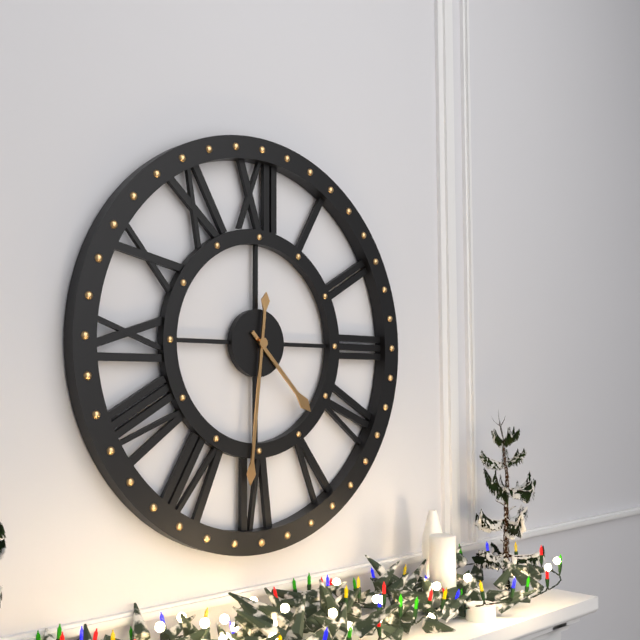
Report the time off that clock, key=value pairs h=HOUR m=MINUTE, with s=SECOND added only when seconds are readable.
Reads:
h=4 m=31
